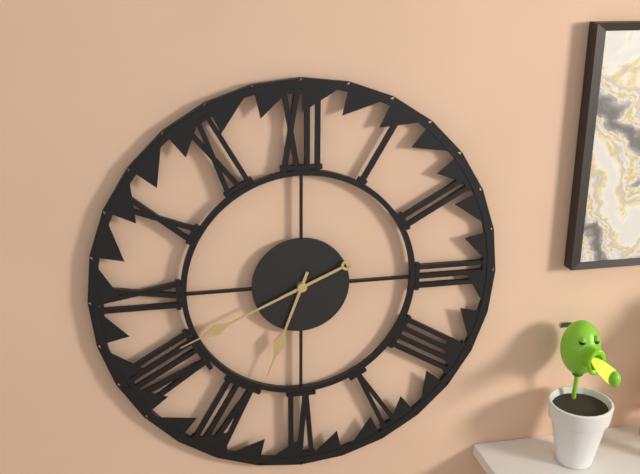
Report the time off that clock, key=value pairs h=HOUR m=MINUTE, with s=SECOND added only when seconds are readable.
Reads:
h=6 m=41
